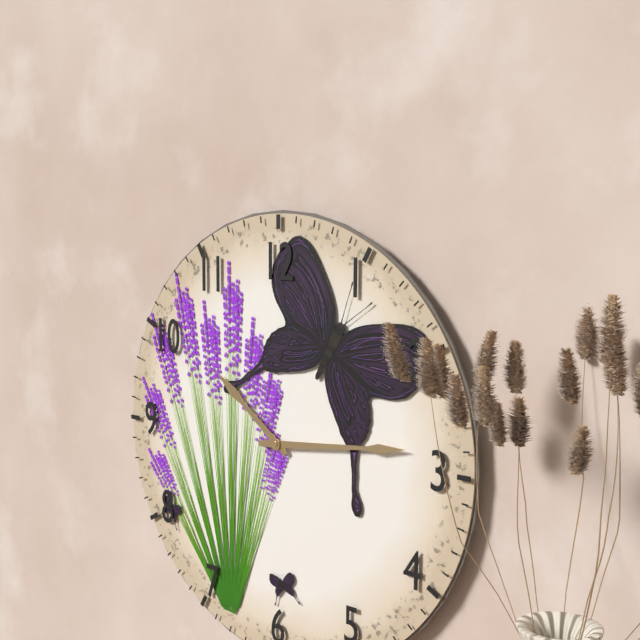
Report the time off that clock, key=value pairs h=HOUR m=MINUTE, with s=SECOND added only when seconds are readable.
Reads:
h=10 m=14
